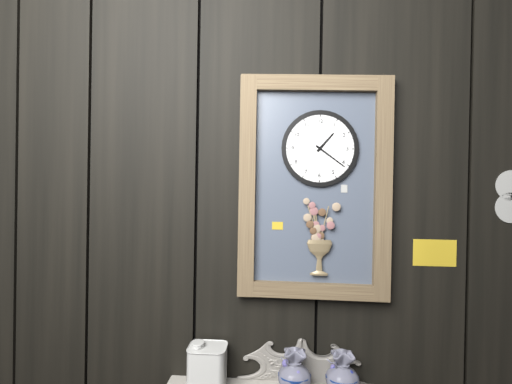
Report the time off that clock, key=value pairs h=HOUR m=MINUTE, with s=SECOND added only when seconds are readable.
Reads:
h=1 m=21
